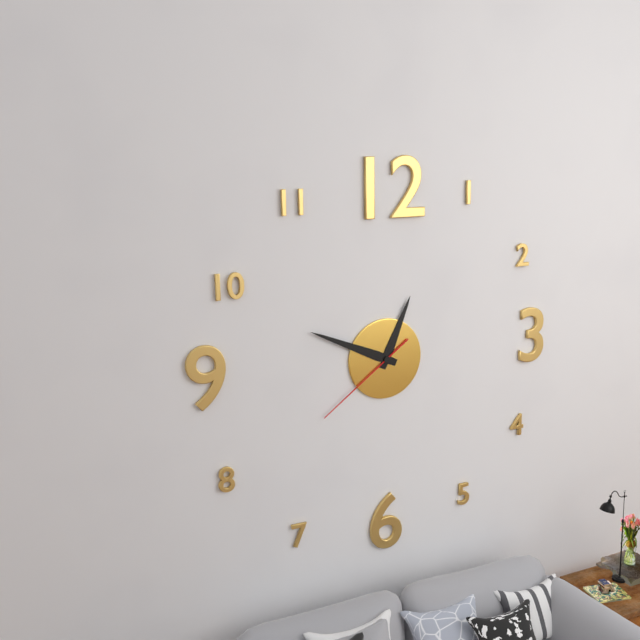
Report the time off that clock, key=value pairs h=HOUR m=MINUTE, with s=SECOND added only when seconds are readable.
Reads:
h=12 m=49 s=39
